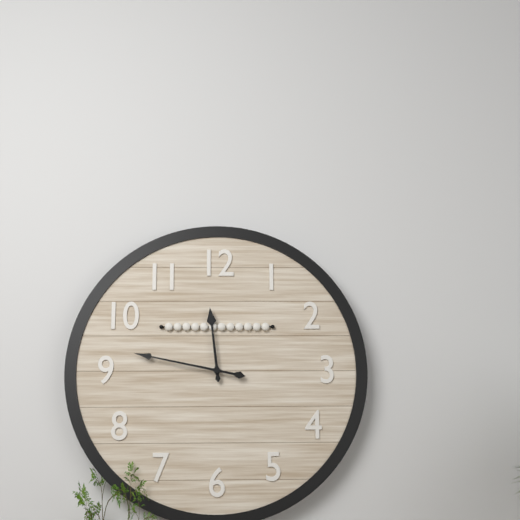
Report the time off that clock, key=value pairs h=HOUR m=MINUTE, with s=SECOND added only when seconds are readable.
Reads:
h=11 m=47
